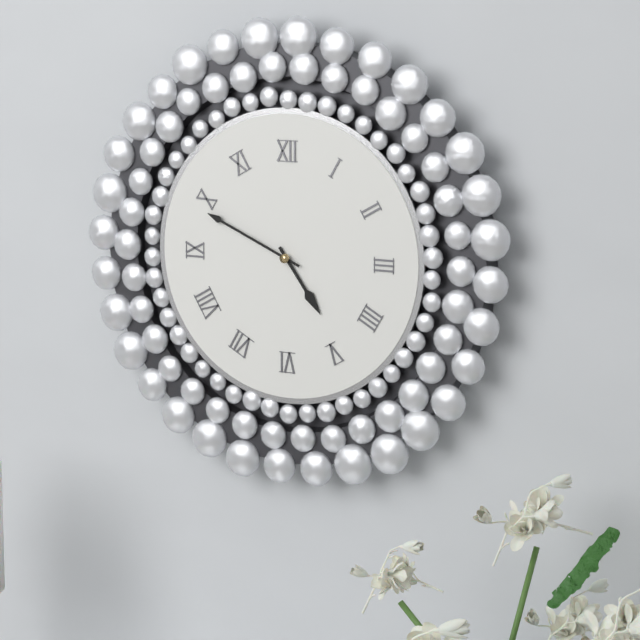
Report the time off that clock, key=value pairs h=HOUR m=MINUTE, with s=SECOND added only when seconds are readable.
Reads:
h=4 m=49
